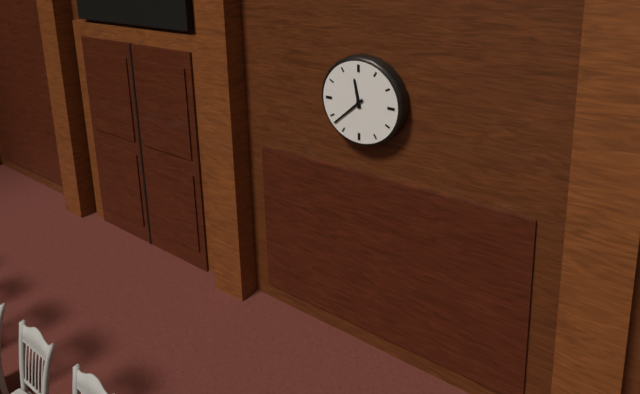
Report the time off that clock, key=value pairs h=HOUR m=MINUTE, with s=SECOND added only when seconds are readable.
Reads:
h=11 m=38
